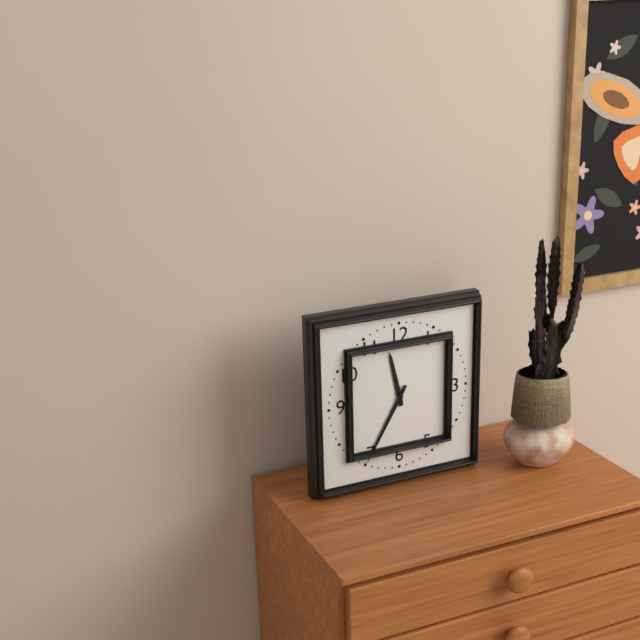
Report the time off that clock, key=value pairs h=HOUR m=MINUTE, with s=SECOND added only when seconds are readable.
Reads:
h=11 m=35
